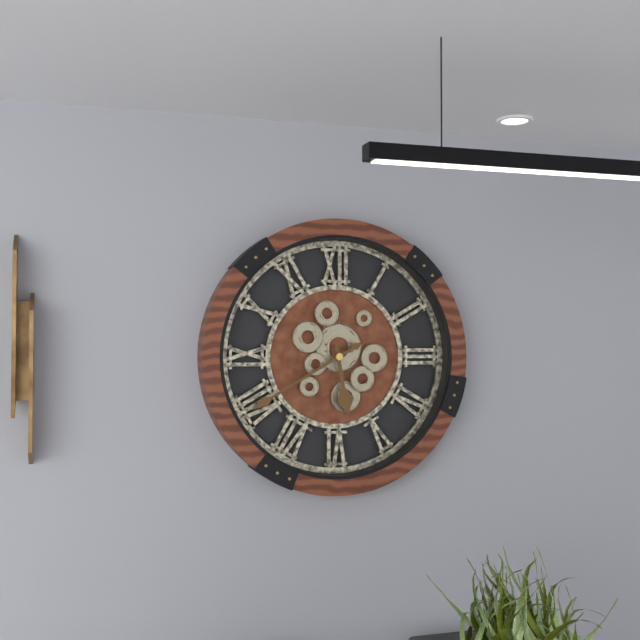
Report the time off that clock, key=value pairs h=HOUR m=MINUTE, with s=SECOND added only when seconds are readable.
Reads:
h=5 m=40
